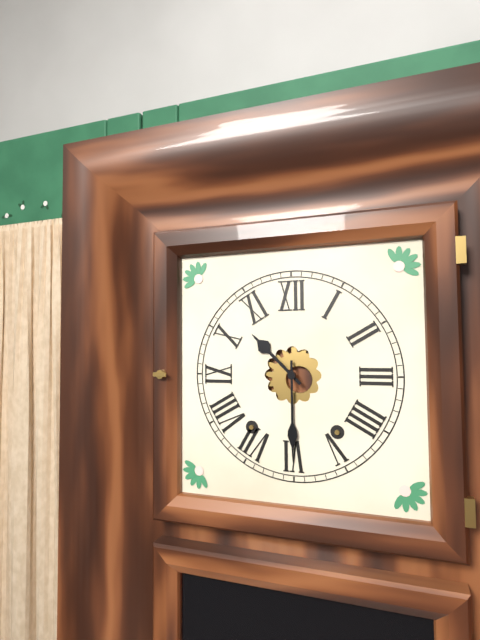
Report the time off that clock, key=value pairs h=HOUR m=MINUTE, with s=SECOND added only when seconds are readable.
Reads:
h=10 m=30
